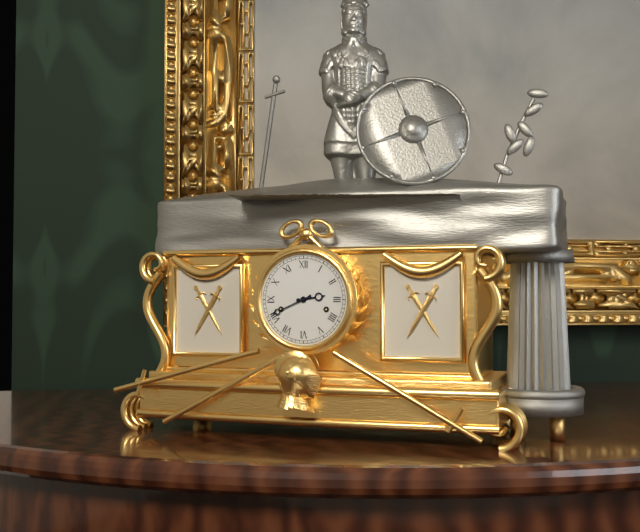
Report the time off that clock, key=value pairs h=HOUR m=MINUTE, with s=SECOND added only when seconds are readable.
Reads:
h=2 m=41
